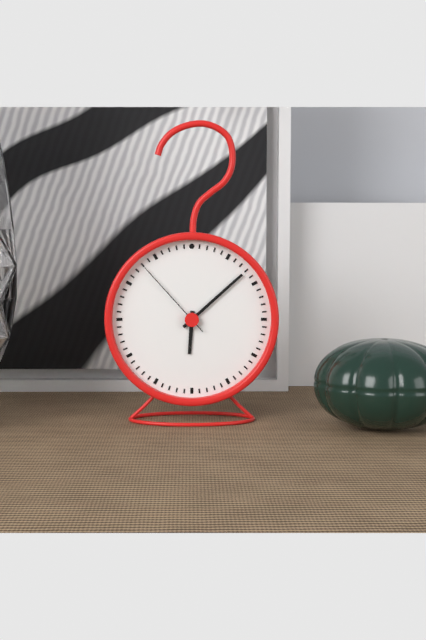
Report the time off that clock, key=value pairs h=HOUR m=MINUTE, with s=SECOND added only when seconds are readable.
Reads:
h=6 m=8 s=53
